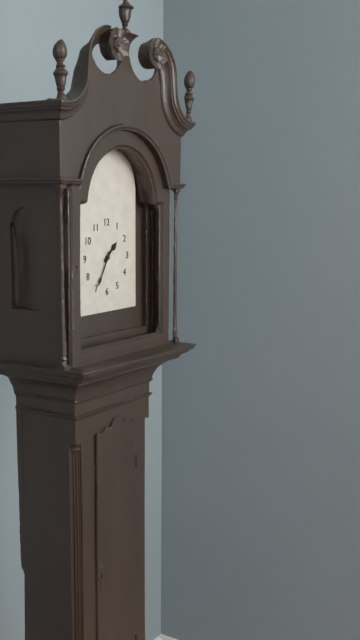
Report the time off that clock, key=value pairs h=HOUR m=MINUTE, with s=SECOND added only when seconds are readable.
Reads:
h=1 m=35
